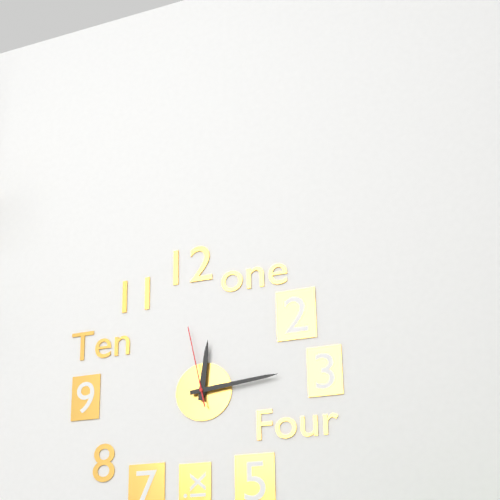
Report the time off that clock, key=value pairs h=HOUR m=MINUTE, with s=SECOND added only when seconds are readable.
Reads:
h=12 m=14 s=58
